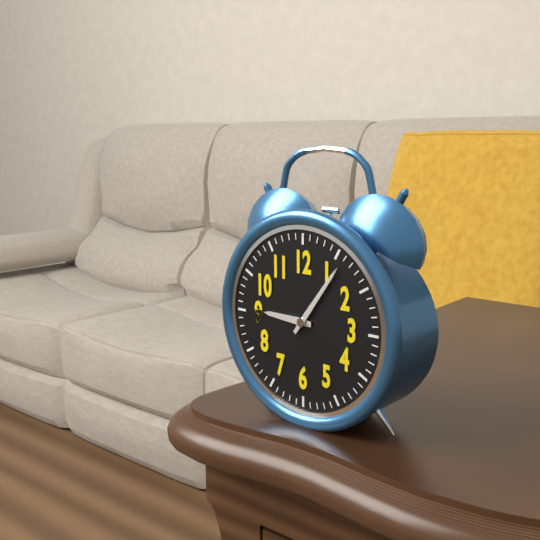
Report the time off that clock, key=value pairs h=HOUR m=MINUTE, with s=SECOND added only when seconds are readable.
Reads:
h=9 m=6
